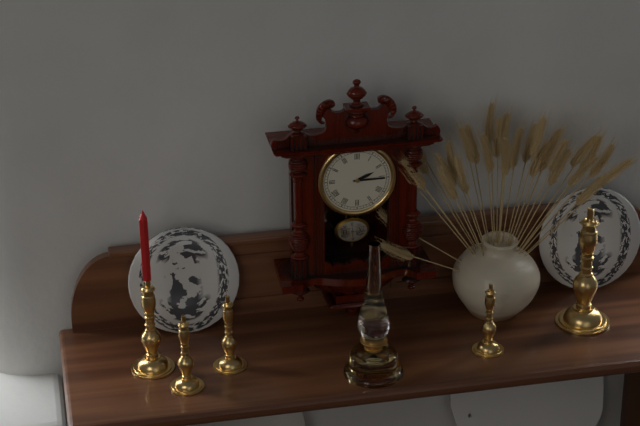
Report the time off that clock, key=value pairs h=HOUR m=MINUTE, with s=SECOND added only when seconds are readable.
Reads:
h=2 m=15
